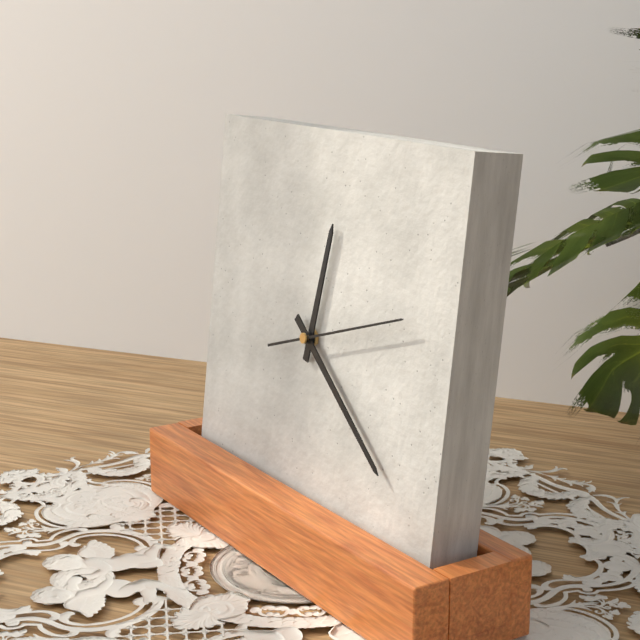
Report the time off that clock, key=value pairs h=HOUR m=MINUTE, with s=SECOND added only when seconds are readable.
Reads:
h=12 m=21 s=12
